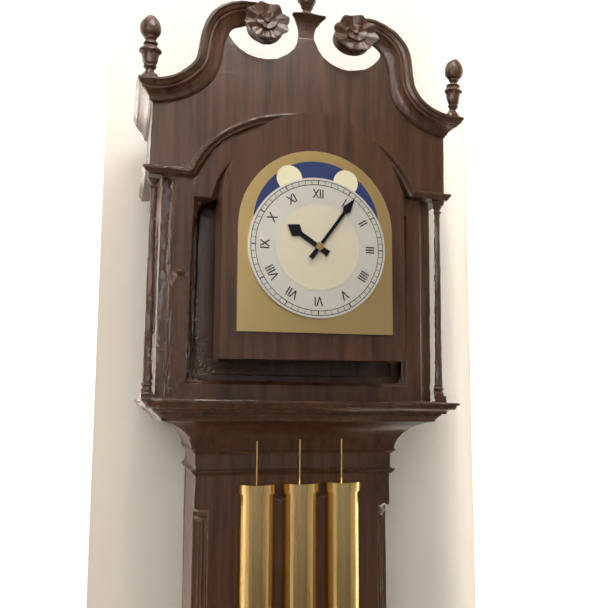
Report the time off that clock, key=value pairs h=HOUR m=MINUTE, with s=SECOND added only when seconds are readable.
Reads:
h=10 m=6
